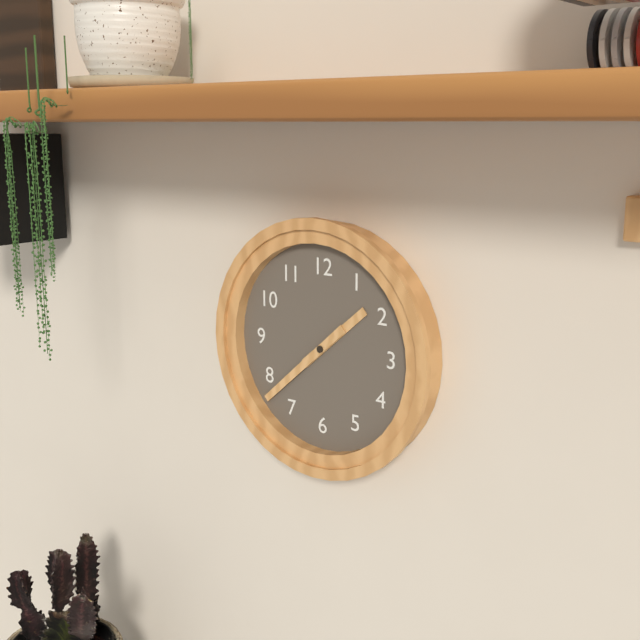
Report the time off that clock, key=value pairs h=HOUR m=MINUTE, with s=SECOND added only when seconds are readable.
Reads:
h=1 m=38
